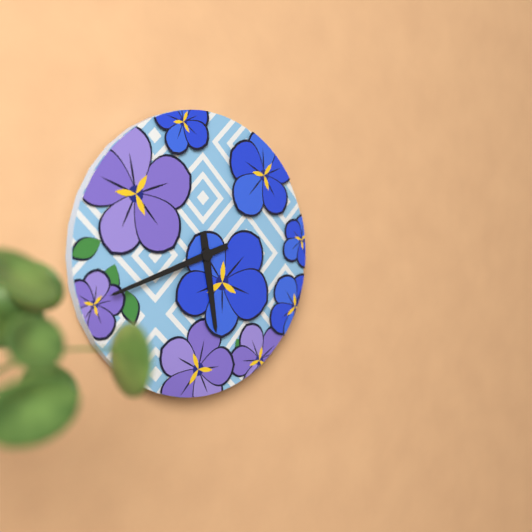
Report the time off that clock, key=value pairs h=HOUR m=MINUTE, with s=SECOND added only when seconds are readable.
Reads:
h=5 m=42
